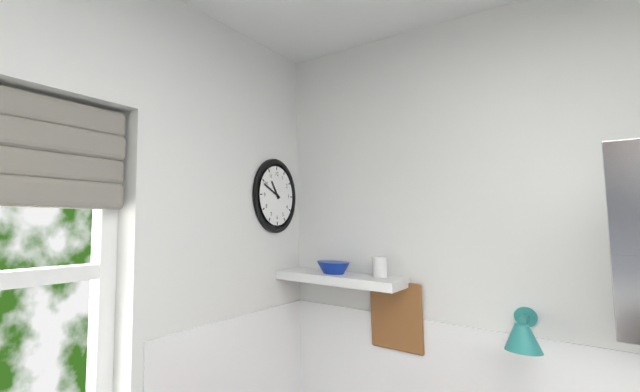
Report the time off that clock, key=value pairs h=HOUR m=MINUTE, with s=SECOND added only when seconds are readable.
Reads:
h=10 m=49
